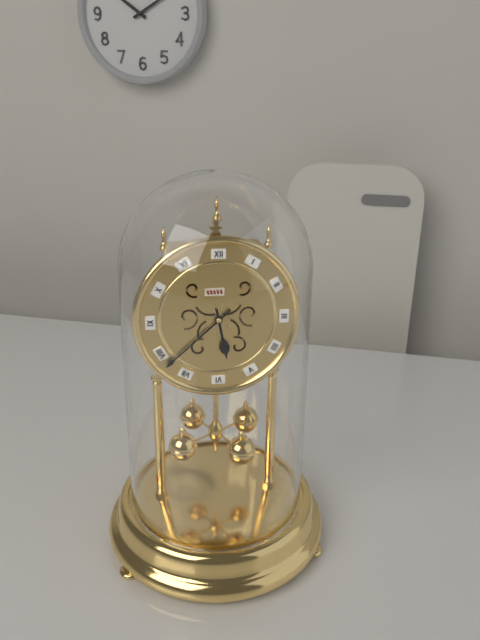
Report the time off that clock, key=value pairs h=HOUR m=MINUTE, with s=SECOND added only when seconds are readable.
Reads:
h=5 m=38
